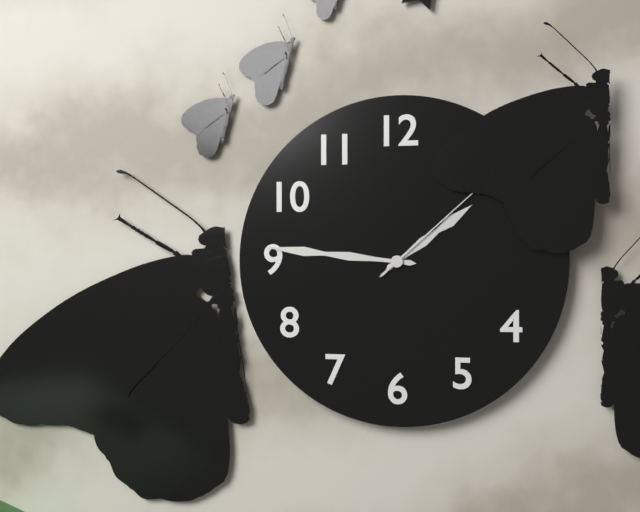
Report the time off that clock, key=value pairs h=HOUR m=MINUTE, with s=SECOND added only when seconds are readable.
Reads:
h=1 m=46 s=8
